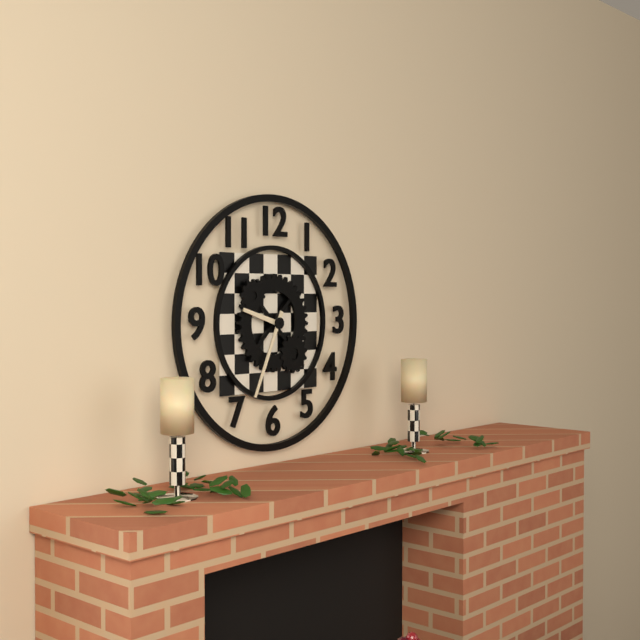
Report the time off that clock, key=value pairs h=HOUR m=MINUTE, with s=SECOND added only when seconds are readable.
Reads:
h=9 m=34
